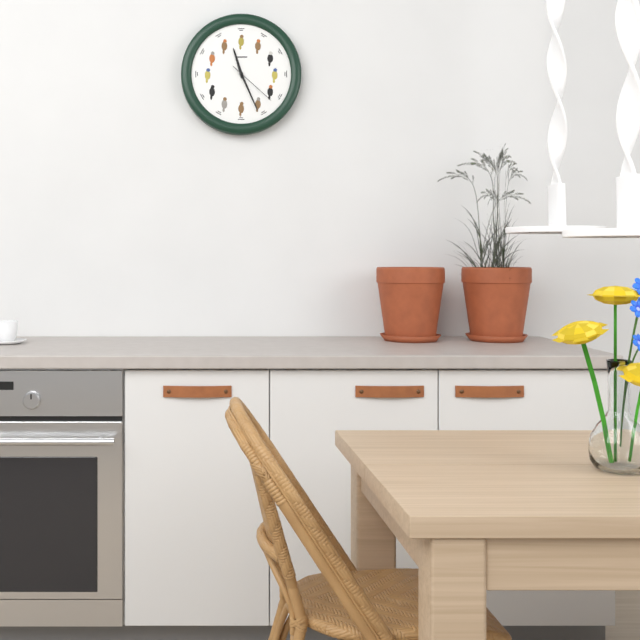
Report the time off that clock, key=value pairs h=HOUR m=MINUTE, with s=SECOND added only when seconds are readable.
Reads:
h=11 m=26 s=22
